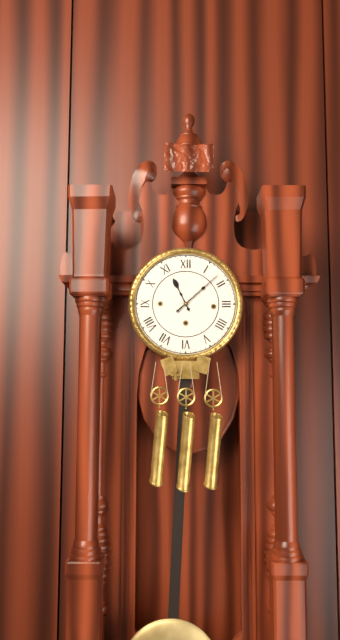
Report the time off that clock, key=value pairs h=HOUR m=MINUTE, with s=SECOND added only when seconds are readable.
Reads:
h=11 m=8
